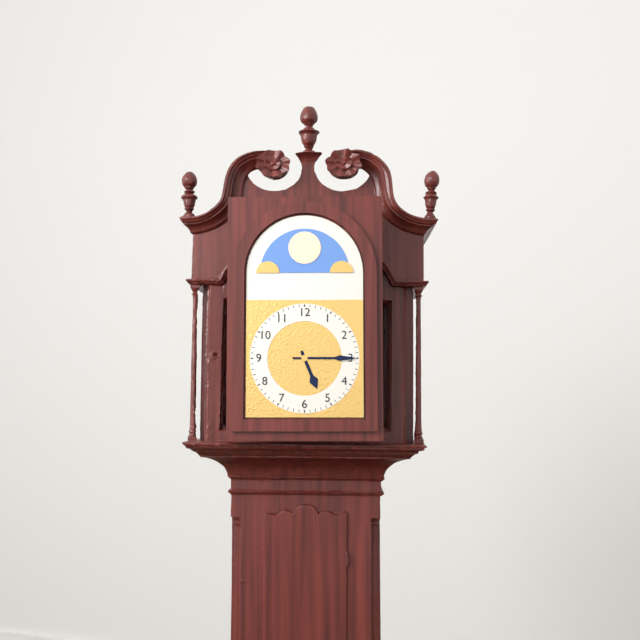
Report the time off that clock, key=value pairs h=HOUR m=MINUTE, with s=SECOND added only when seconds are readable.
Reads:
h=5 m=15
